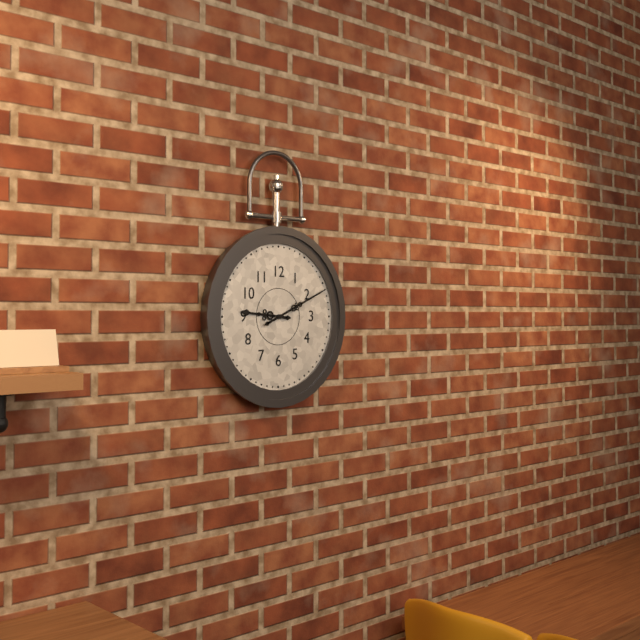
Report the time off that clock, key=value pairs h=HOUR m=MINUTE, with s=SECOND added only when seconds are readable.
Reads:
h=9 m=11
